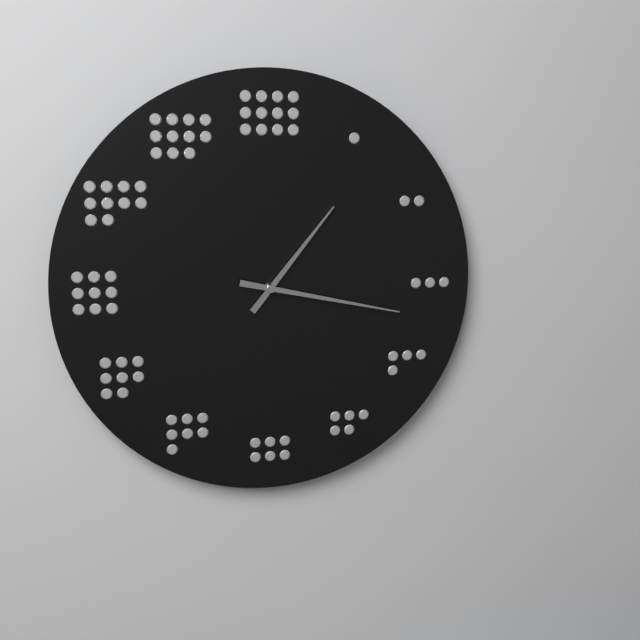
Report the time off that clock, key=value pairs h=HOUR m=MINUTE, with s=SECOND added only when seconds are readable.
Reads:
h=1 m=17
